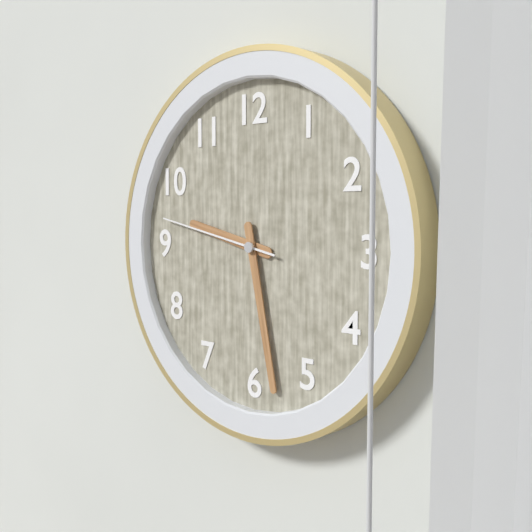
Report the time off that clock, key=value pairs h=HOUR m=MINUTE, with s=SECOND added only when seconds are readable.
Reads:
h=9 m=28 s=47
